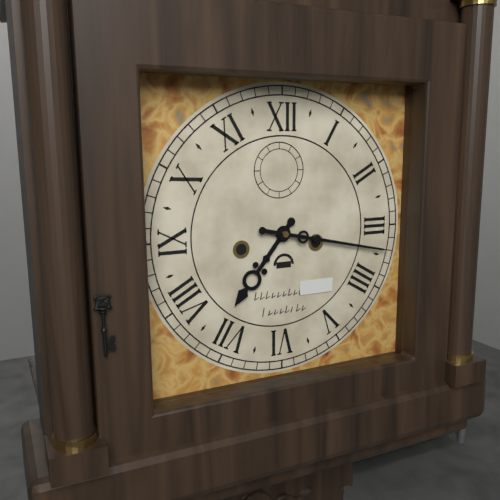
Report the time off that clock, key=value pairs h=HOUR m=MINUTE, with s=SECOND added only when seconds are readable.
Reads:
h=7 m=17
